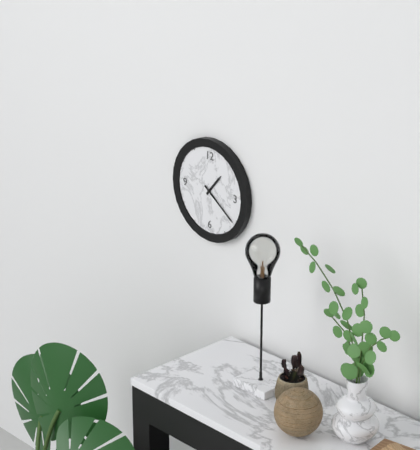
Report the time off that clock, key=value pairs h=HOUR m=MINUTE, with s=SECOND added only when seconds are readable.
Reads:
h=1 m=21
